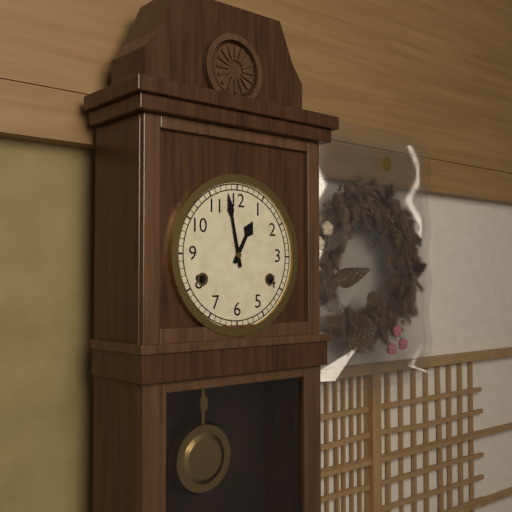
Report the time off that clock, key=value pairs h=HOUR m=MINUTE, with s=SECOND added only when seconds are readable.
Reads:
h=12 m=58
